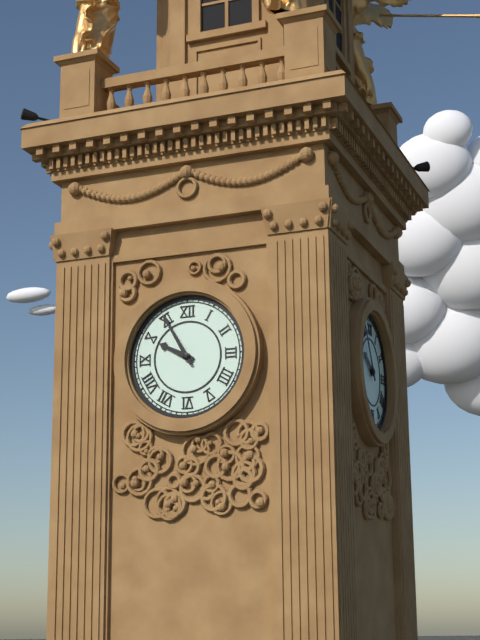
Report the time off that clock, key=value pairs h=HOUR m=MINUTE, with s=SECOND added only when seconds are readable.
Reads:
h=9 m=55
